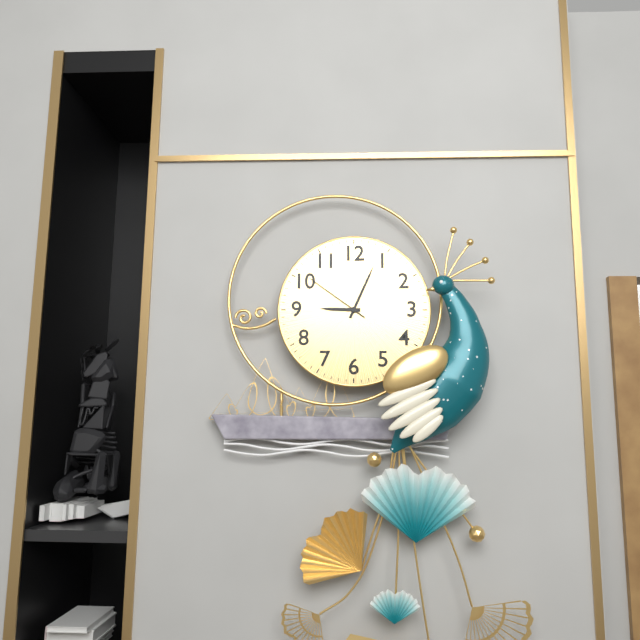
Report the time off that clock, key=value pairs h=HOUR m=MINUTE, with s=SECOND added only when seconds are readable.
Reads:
h=9 m=4 s=51
